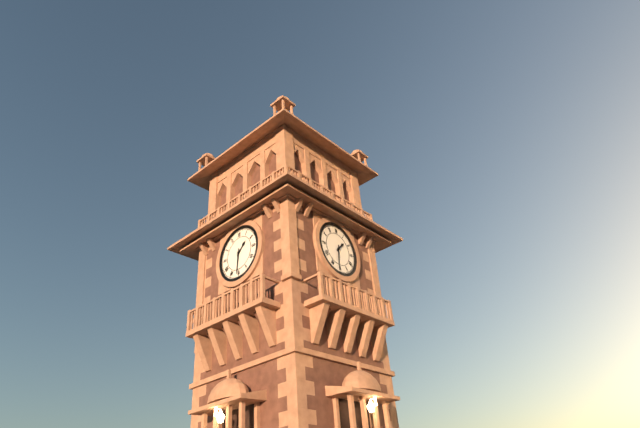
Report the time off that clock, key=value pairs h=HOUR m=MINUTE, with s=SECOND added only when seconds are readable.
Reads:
h=1 m=31
